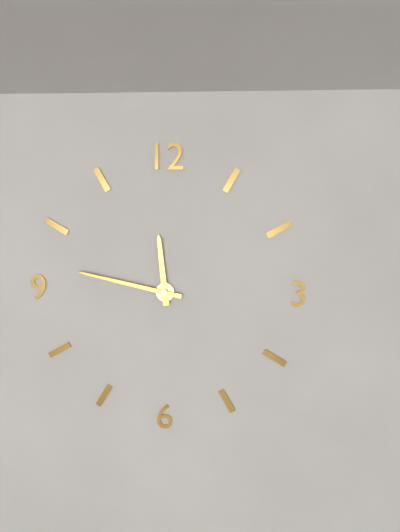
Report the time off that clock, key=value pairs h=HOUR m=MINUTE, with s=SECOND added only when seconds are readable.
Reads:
h=11 m=47
